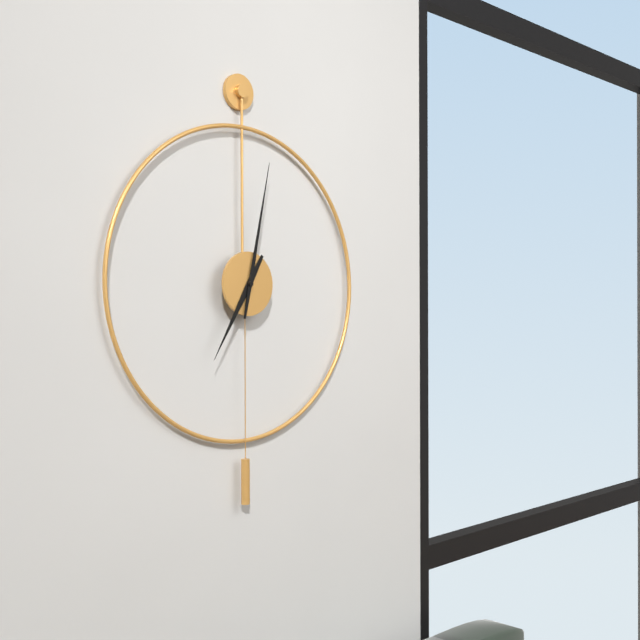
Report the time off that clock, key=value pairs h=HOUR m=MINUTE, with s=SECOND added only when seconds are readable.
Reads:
h=7 m=2
